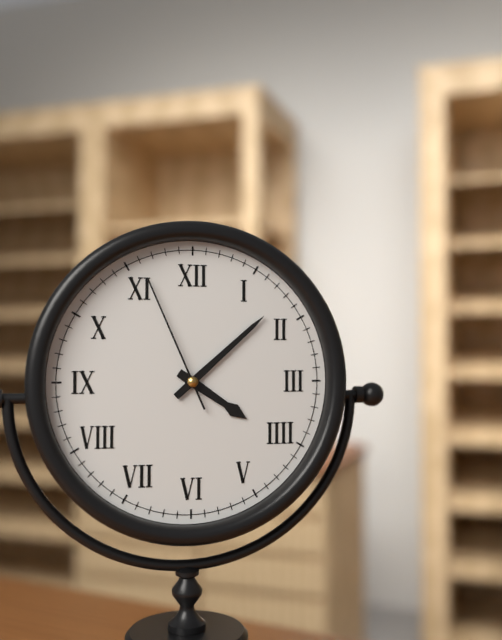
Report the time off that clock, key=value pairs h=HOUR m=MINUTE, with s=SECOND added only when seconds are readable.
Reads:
h=4 m=8 s=56
